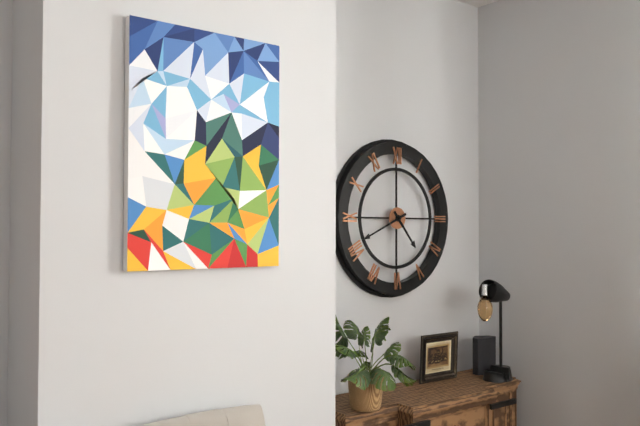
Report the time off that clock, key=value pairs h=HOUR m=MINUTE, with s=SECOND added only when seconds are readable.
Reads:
h=4 m=41
